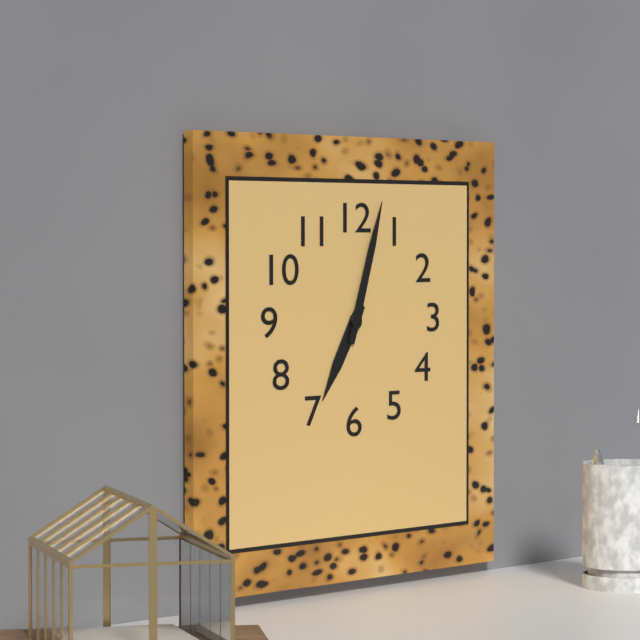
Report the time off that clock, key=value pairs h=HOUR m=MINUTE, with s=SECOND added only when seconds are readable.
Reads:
h=7 m=3
